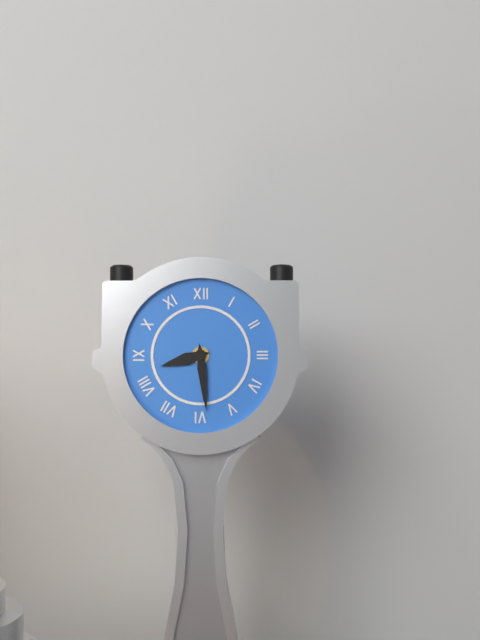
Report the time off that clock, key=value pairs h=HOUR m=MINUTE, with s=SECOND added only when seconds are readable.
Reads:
h=8 m=29
